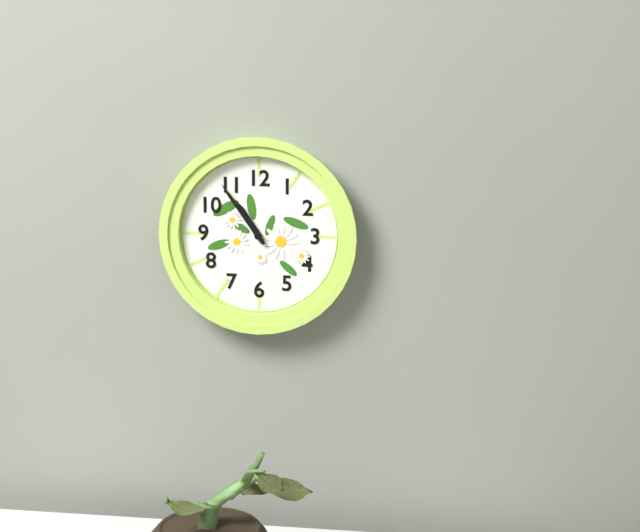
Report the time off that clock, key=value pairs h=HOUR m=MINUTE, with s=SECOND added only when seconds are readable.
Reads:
h=10 m=54
